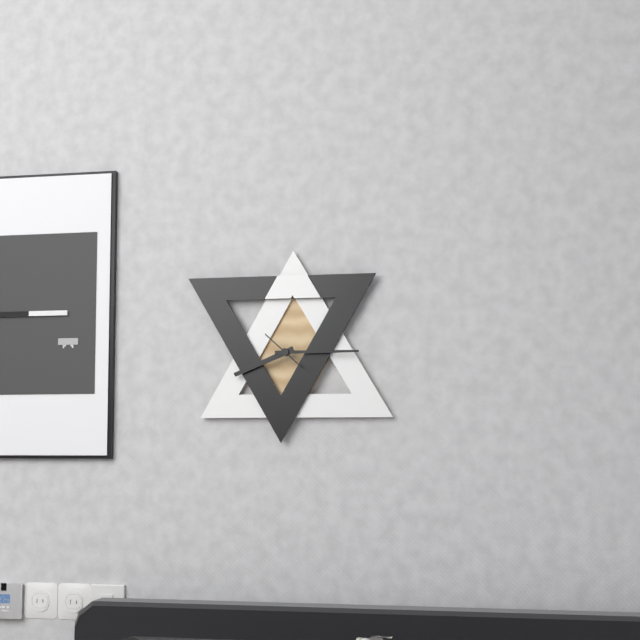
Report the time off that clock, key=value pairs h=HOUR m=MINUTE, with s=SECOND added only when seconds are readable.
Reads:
h=8 m=15
